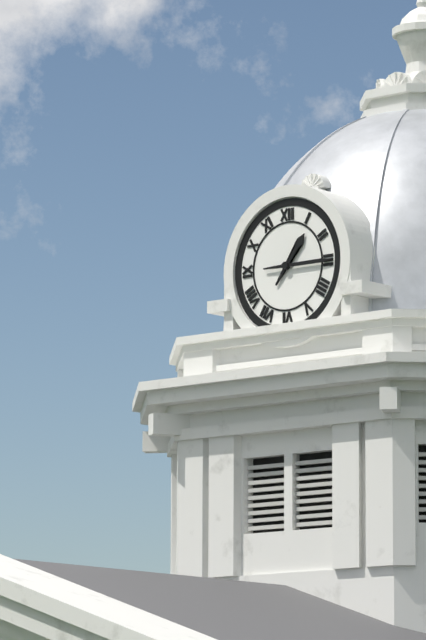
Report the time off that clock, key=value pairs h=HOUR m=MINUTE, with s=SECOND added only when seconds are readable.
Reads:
h=1 m=15
